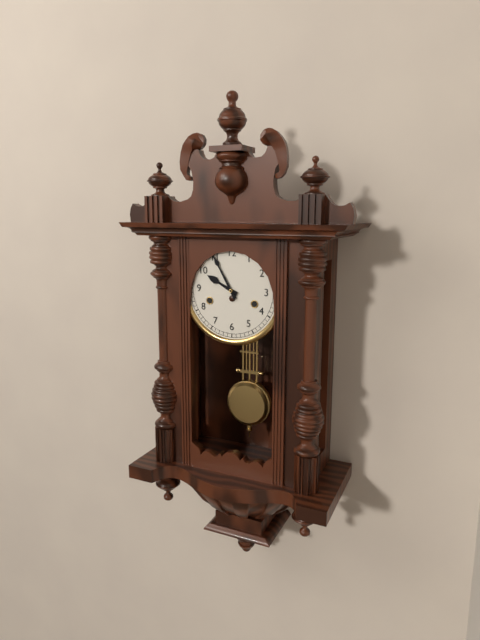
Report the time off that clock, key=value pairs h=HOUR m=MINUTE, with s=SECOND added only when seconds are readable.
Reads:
h=9 m=55
